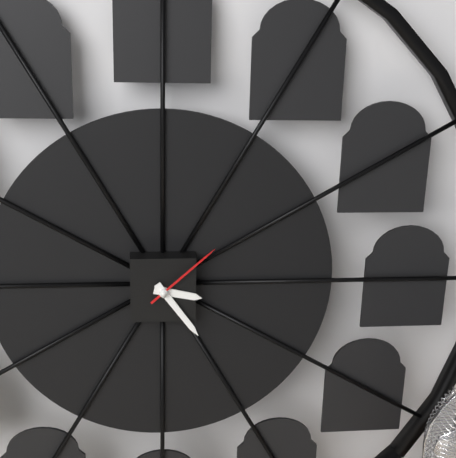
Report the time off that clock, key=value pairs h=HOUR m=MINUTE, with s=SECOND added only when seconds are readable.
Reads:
h=3 m=24 s=8
